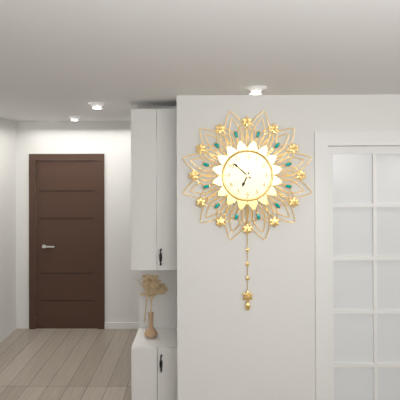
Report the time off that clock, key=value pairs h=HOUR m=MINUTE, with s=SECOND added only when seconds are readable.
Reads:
h=6 m=52
